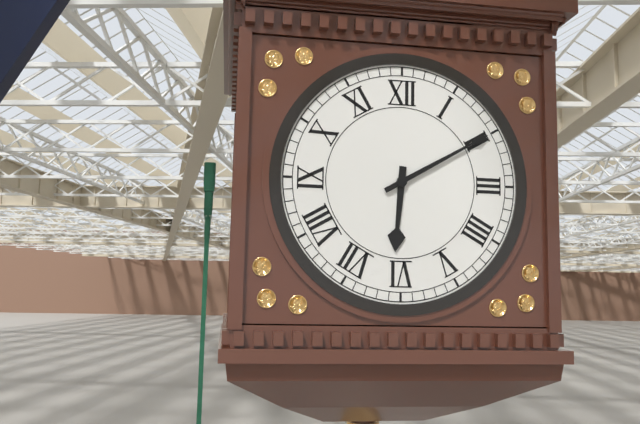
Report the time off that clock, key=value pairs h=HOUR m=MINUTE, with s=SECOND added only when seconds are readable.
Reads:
h=6 m=10
